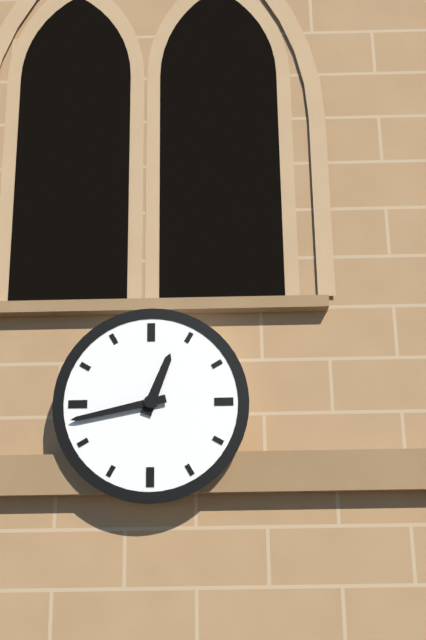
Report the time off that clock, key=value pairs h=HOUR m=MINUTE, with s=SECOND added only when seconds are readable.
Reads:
h=12 m=43
